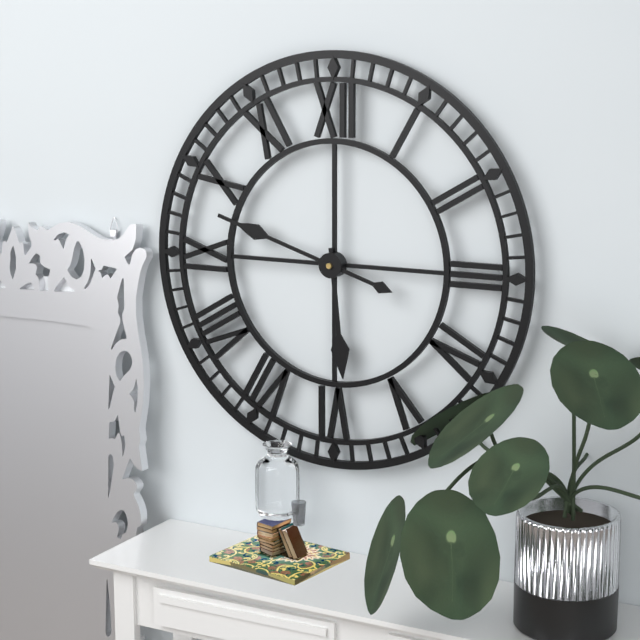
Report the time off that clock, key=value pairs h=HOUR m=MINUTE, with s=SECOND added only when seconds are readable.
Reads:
h=5 m=48
